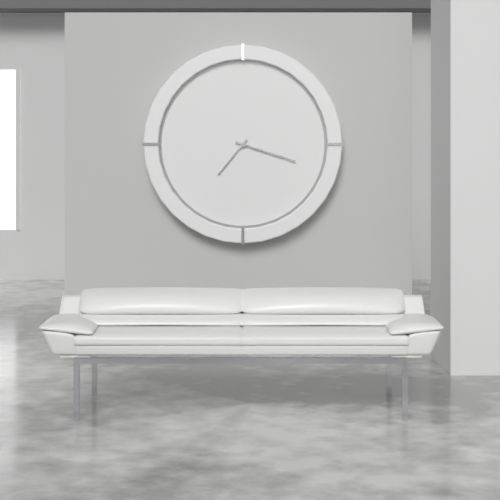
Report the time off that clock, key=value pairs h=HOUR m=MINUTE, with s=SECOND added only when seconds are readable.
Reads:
h=7 m=18
